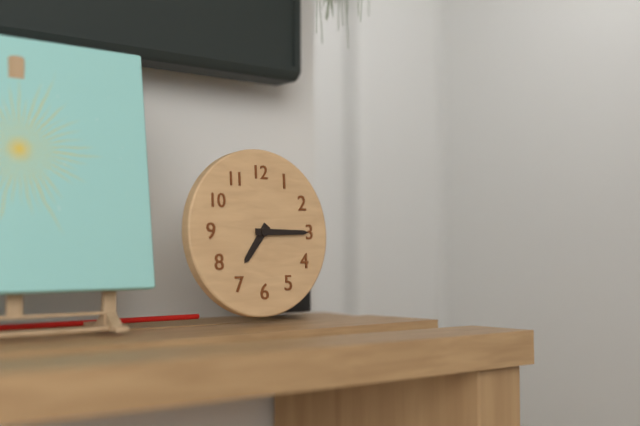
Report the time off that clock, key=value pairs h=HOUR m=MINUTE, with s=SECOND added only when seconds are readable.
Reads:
h=7 m=15
